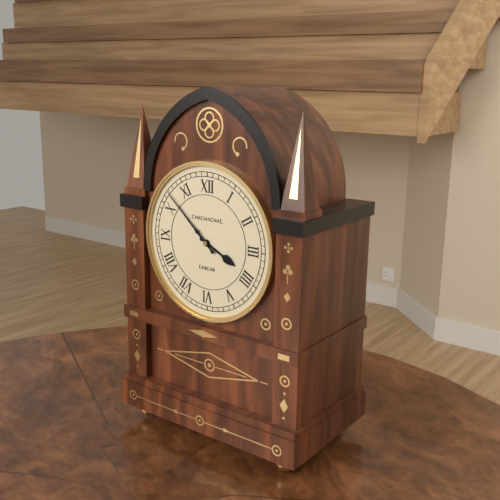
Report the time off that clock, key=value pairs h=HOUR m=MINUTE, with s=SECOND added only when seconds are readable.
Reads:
h=3 m=52
